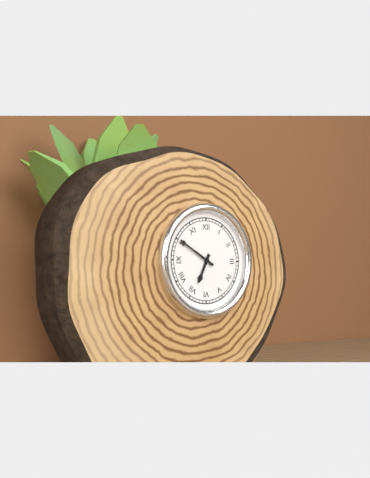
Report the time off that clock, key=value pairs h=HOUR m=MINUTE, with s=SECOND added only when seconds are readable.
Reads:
h=6 m=50
